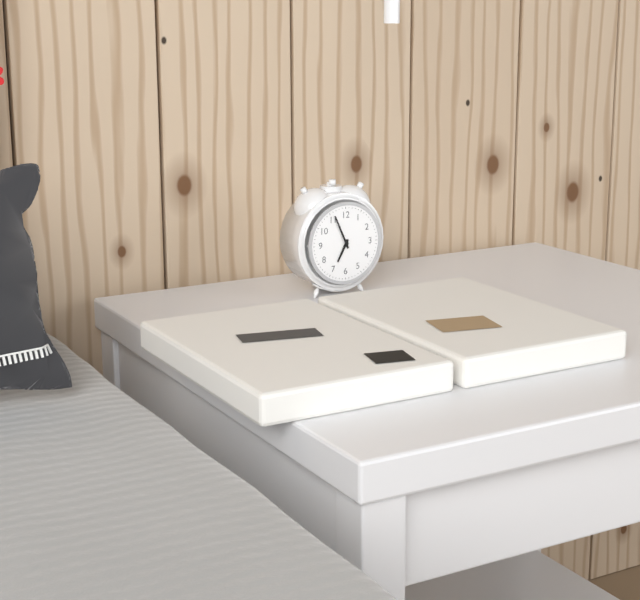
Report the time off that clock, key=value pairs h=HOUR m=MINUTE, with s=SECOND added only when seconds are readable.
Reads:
h=6 m=56
